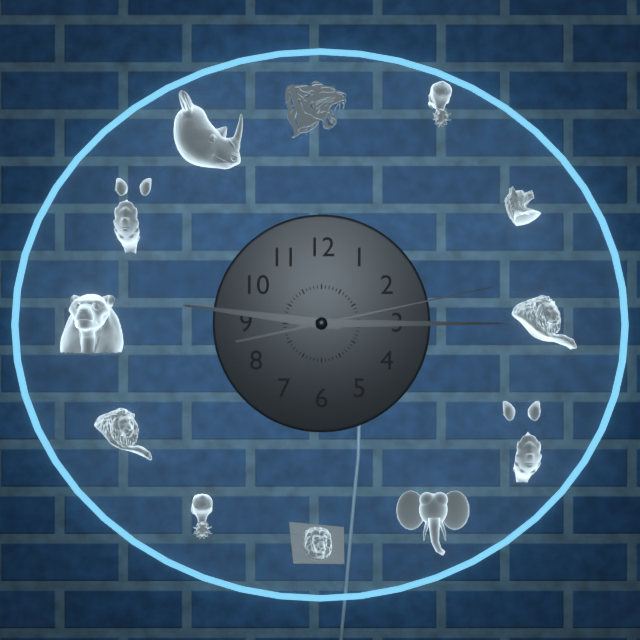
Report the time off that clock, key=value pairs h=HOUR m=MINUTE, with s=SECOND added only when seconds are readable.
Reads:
h=9 m=15 s=13
